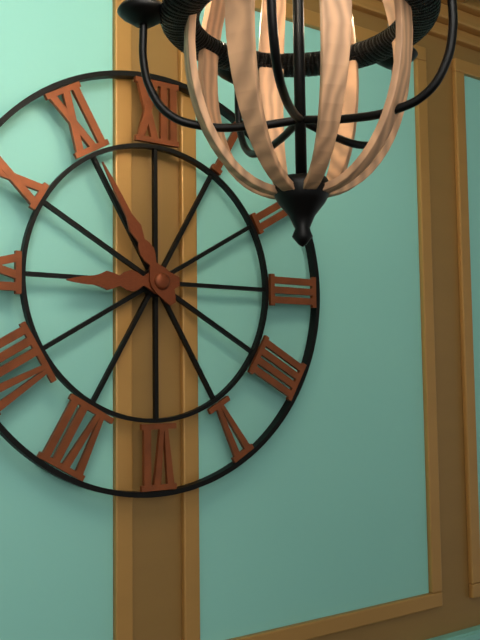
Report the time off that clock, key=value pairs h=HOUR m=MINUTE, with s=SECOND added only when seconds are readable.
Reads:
h=8 m=55
